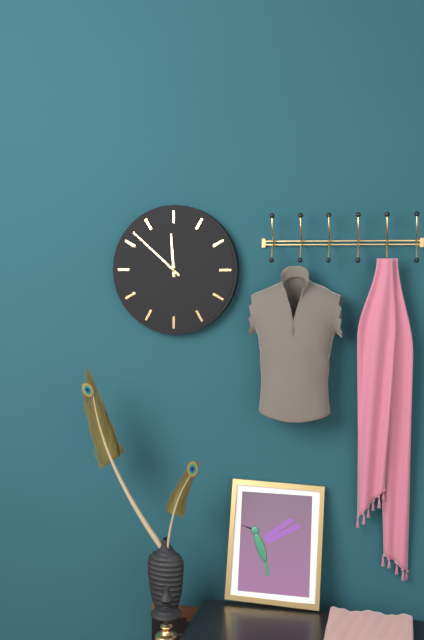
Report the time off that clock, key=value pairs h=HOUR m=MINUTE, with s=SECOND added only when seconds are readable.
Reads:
h=11 m=52
